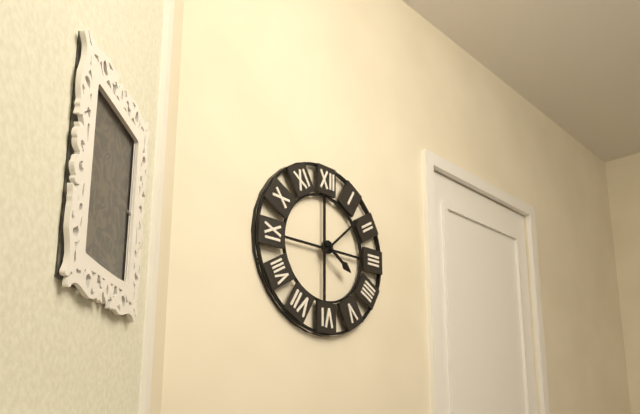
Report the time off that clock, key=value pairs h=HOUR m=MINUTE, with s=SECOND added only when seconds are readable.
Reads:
h=4 m=8
